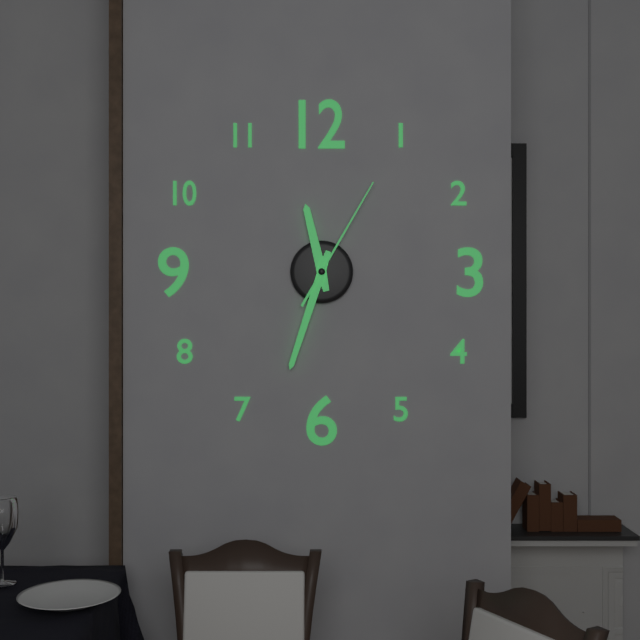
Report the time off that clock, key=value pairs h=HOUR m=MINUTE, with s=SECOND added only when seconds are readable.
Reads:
h=11 m=33 s=5
